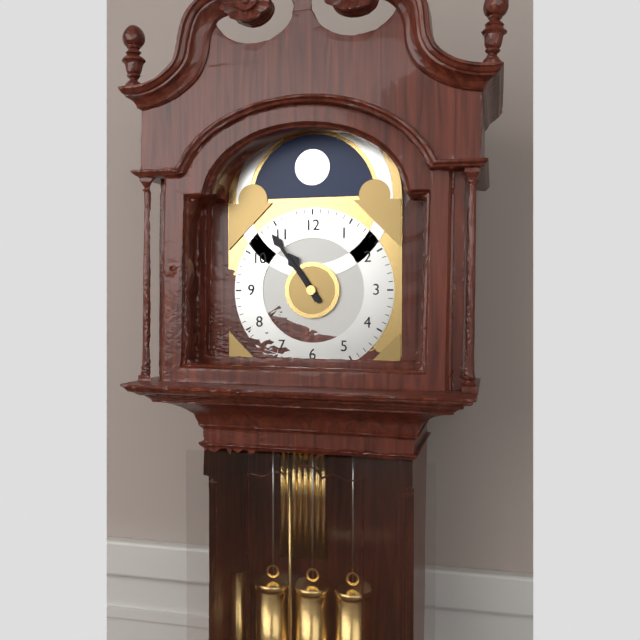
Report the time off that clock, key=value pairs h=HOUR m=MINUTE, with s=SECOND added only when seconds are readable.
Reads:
h=10 m=54
